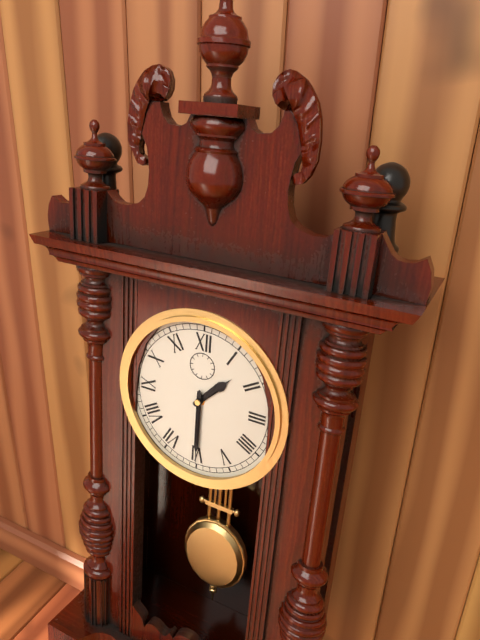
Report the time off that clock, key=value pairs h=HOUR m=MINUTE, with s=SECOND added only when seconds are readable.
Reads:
h=1 m=30
